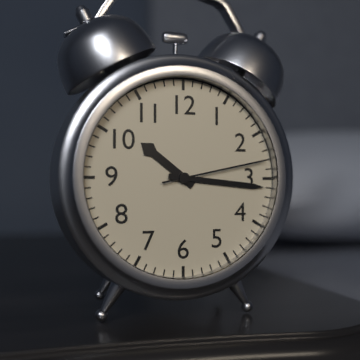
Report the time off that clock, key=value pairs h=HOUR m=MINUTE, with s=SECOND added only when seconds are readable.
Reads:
h=10 m=16 s=13
